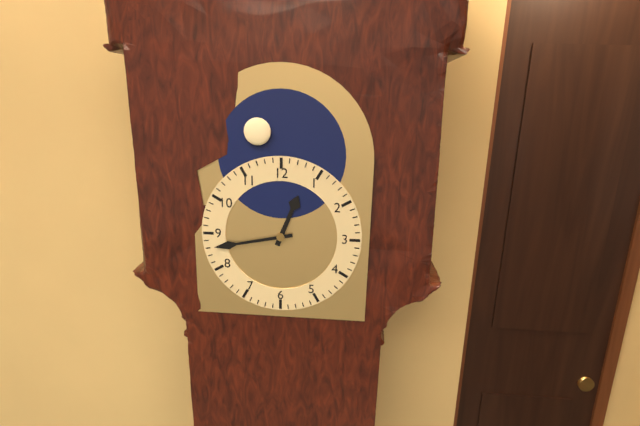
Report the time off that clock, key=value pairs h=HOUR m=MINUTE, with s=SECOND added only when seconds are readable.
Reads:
h=12 m=43
